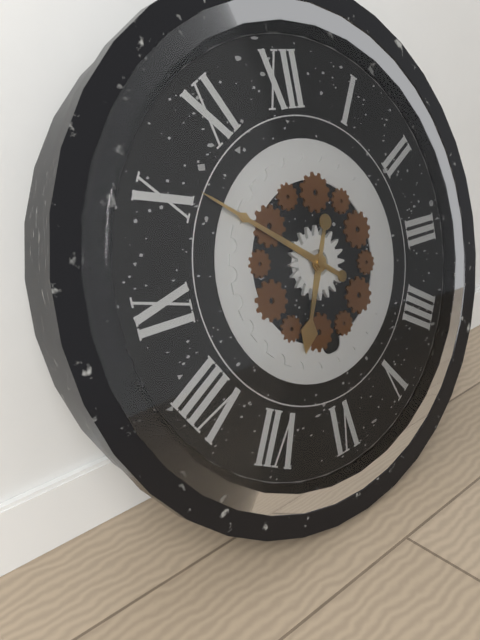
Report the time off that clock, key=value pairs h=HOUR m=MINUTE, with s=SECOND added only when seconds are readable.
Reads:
h=6 m=51
